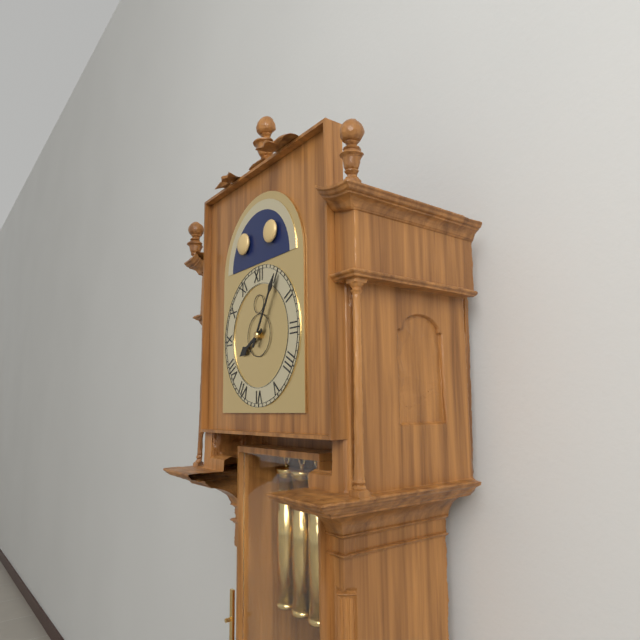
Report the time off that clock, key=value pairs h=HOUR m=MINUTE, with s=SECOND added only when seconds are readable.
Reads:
h=8 m=5
